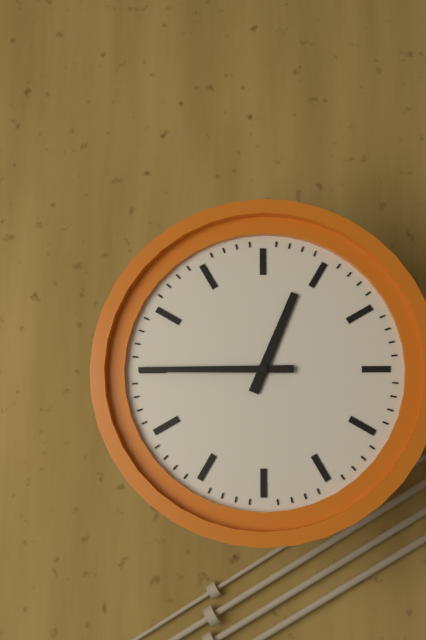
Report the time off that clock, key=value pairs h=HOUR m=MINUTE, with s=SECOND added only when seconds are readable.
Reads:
h=12 m=45
